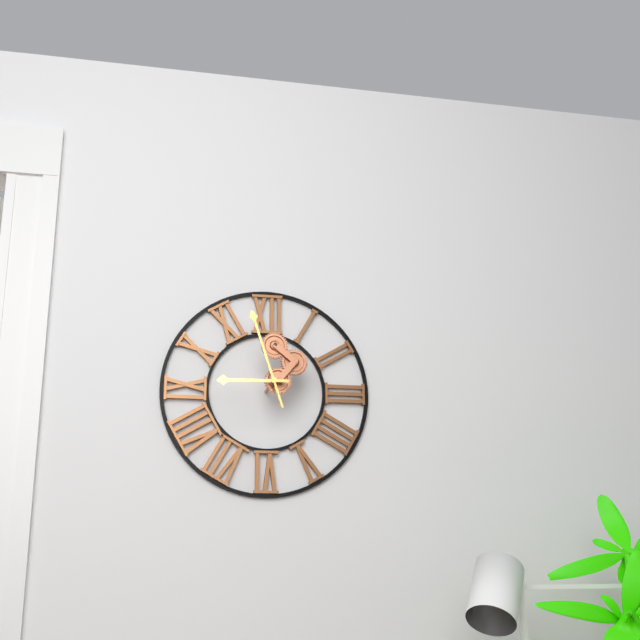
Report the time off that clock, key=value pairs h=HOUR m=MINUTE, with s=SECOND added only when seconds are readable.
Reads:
h=8 m=57
